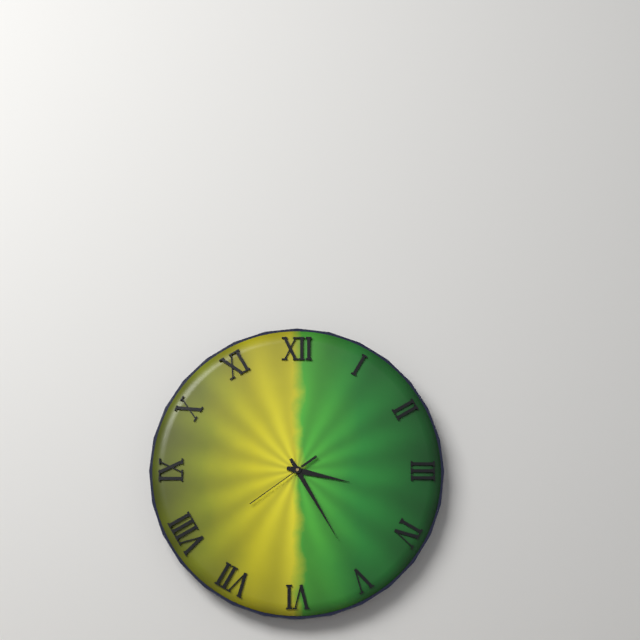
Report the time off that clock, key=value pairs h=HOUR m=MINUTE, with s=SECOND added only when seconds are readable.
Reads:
h=3 m=25 s=39
